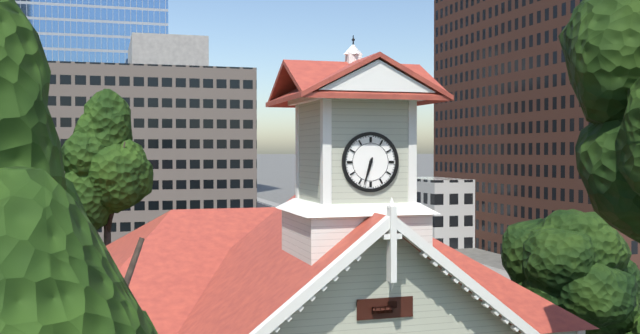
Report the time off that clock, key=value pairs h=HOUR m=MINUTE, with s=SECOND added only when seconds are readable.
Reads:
h=6 m=33
